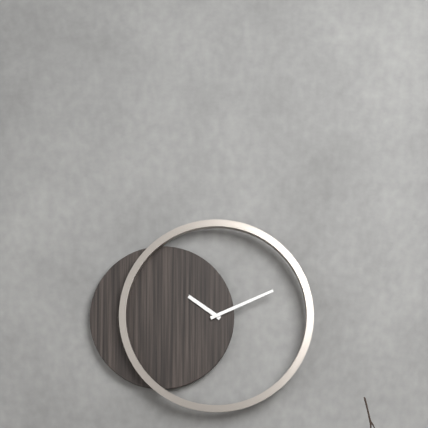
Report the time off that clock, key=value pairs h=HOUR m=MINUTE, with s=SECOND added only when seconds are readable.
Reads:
h=10 m=11
